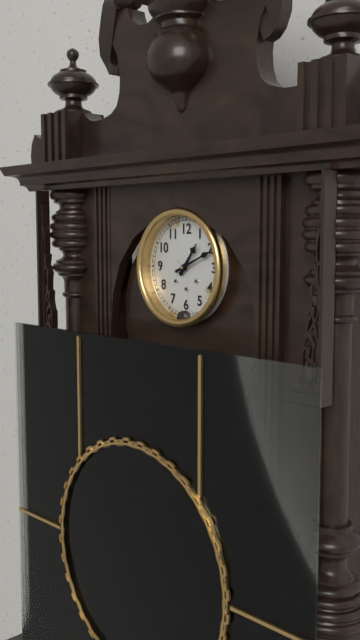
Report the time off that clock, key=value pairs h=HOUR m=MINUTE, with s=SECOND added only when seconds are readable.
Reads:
h=1 m=11
